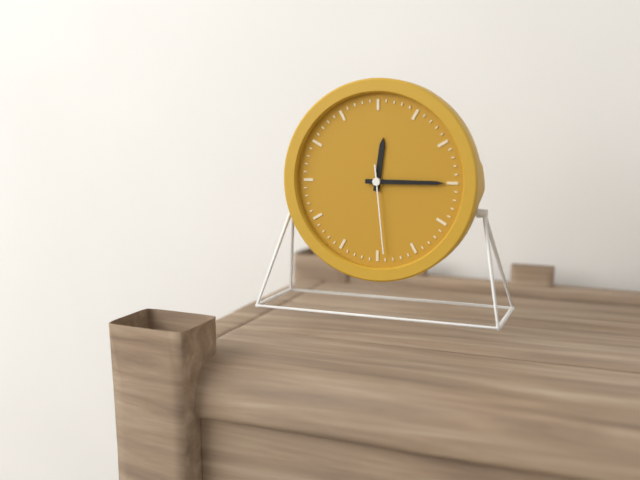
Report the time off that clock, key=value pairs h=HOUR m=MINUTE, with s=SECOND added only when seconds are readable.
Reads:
h=12 m=15 s=29
